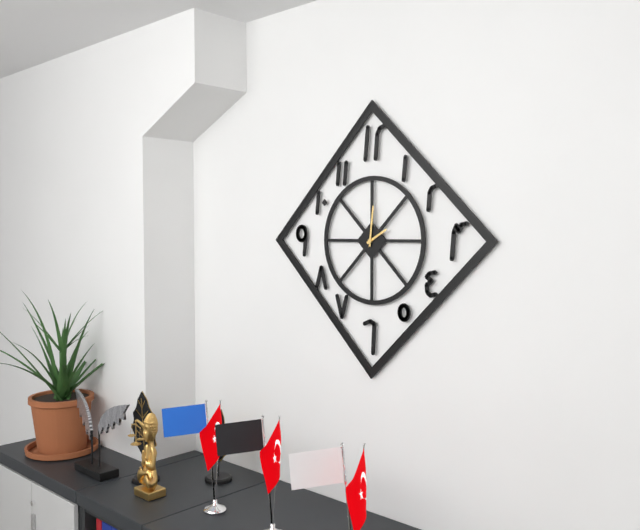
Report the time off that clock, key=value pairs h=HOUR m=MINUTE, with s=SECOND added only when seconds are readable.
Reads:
h=2 m=1
